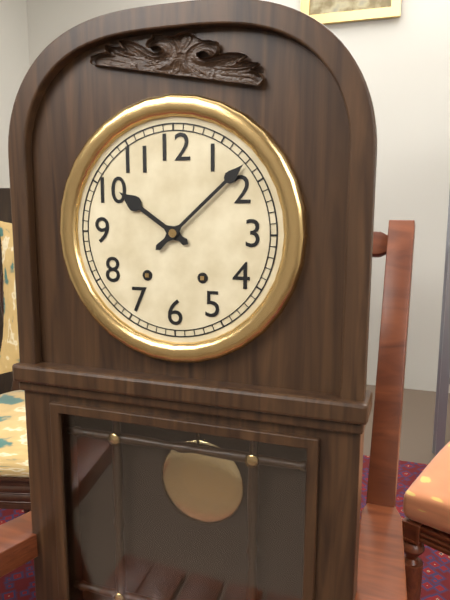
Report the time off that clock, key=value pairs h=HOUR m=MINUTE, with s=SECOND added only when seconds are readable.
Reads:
h=10 m=8
